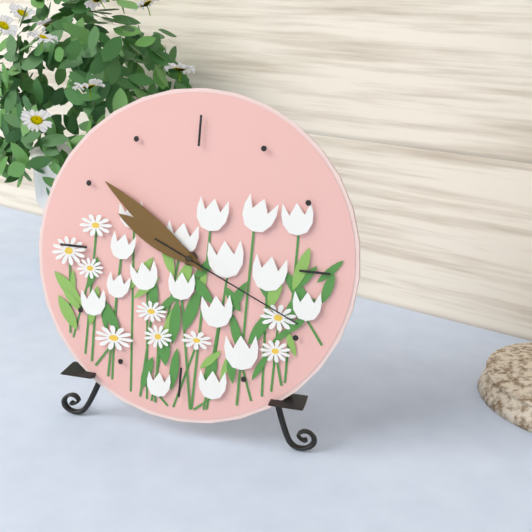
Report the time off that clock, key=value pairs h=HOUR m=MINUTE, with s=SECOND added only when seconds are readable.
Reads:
h=9 m=51 s=19
